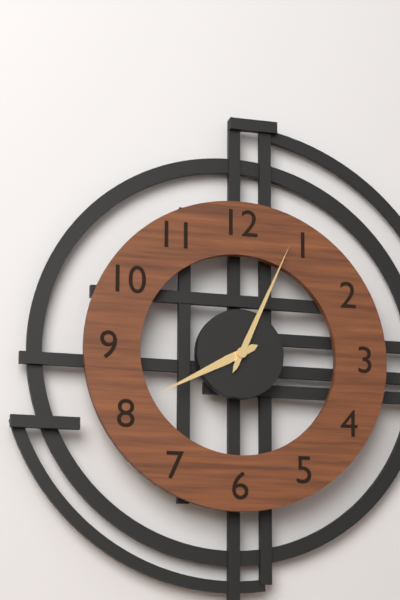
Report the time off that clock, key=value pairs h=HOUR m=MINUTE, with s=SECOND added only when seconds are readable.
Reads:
h=8 m=4
